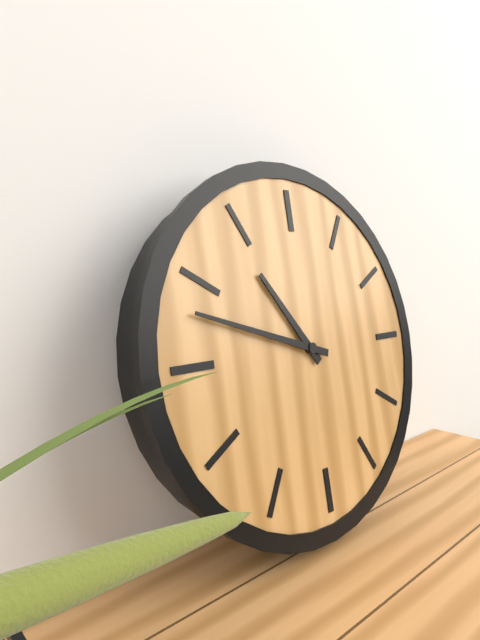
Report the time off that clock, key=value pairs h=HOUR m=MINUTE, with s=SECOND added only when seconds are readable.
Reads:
h=10 m=48
